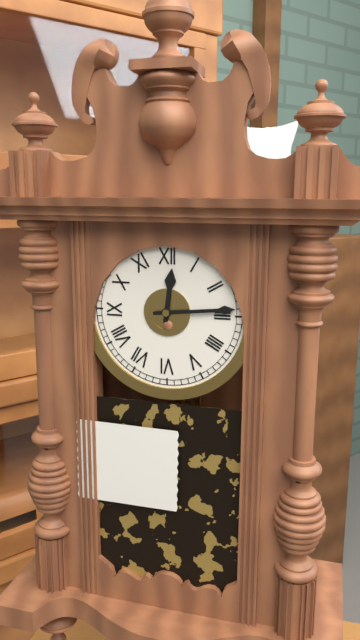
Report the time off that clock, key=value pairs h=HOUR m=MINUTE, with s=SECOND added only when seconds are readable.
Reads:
h=12 m=14
